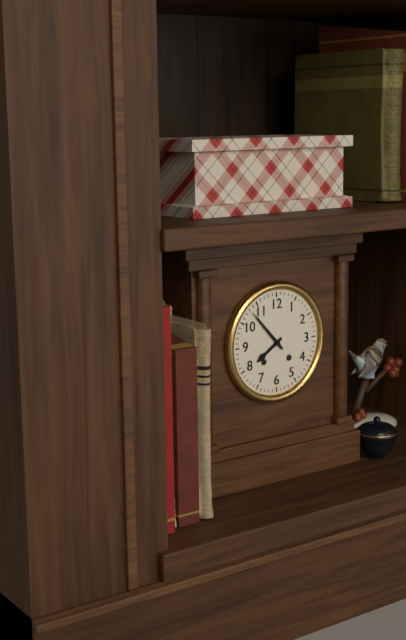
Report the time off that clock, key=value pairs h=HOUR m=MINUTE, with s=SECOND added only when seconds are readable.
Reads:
h=7 m=53
